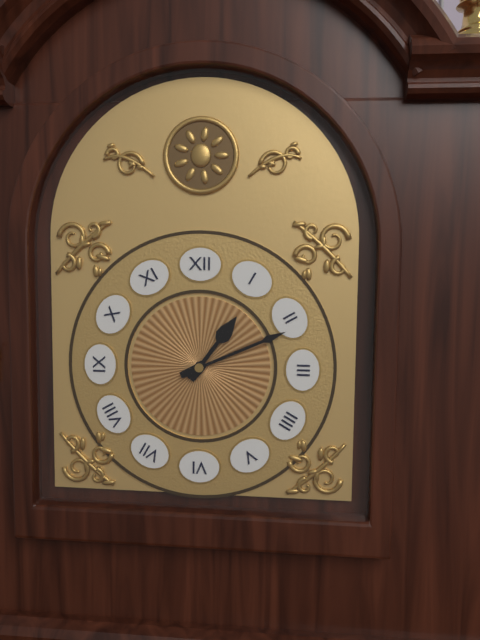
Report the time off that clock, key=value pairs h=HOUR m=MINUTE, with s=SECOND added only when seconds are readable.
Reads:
h=1 m=11
